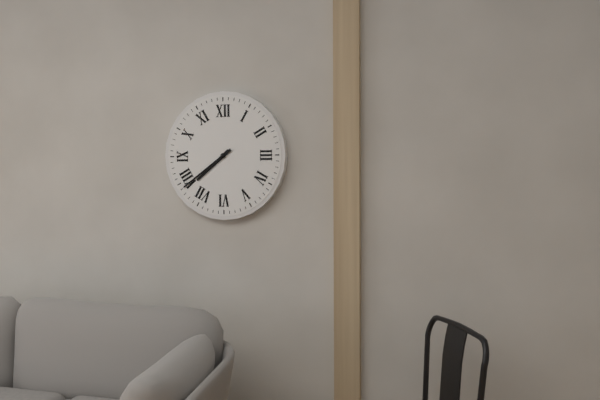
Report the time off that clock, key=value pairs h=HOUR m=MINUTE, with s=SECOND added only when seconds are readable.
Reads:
h=7 m=39
